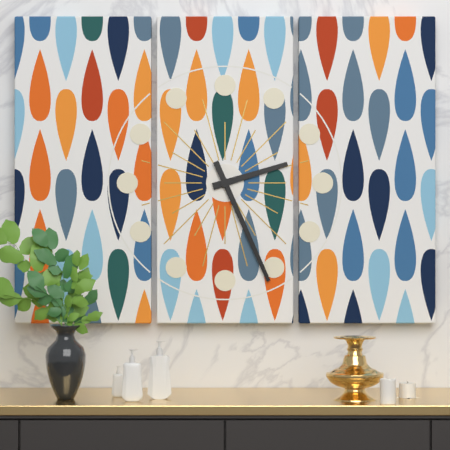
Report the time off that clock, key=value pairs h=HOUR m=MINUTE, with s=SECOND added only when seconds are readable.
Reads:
h=2 m=26
